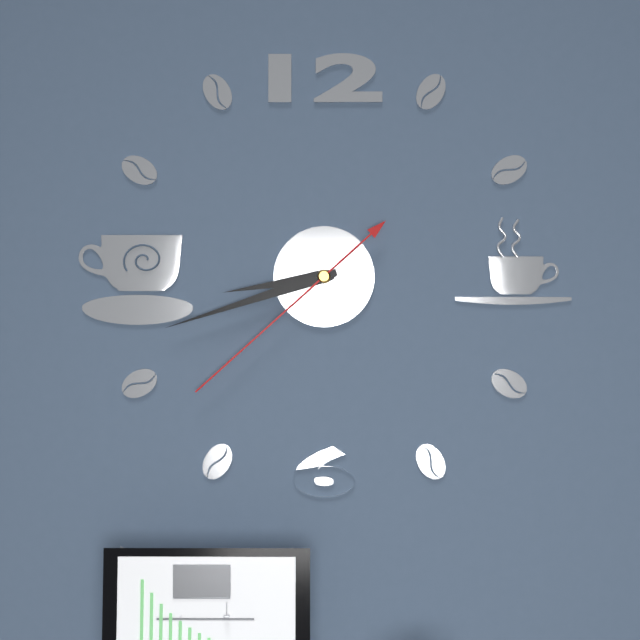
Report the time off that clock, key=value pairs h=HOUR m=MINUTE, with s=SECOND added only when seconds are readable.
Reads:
h=8 m=42 s=38
